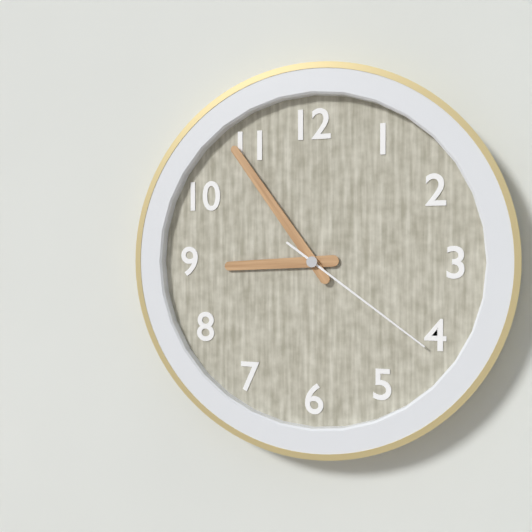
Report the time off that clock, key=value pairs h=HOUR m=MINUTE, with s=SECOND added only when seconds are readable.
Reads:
h=8 m=54 s=21
